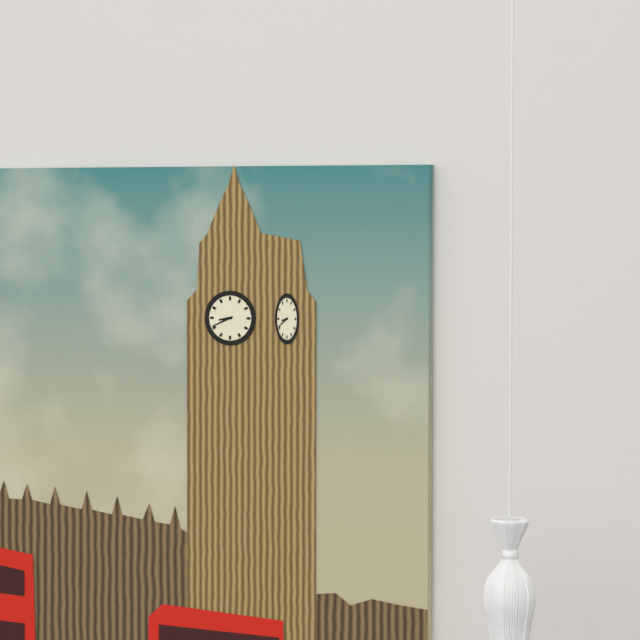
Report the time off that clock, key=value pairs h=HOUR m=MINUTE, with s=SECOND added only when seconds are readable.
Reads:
h=8 m=41
